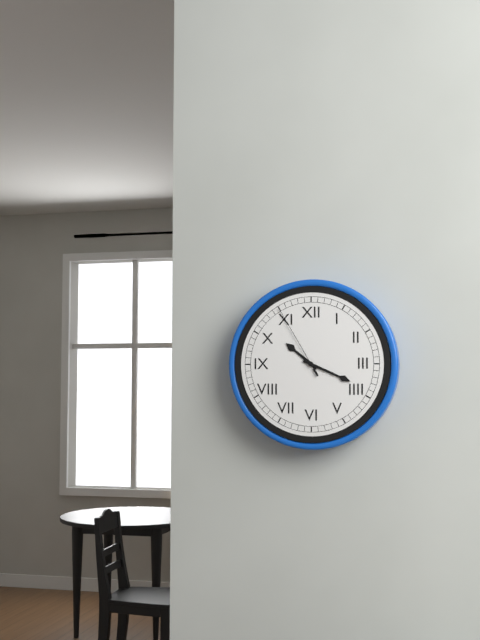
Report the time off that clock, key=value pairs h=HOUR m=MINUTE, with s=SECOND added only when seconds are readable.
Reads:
h=10 m=19 s=55
